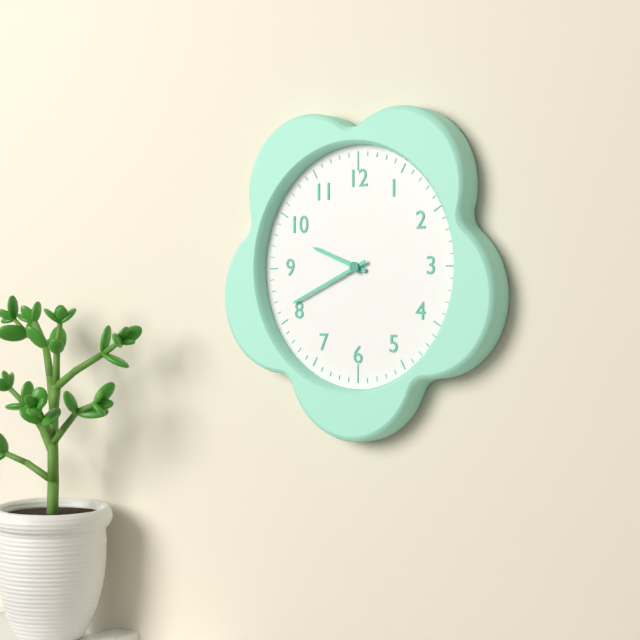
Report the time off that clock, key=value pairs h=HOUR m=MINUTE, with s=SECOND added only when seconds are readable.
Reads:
h=9 m=41
